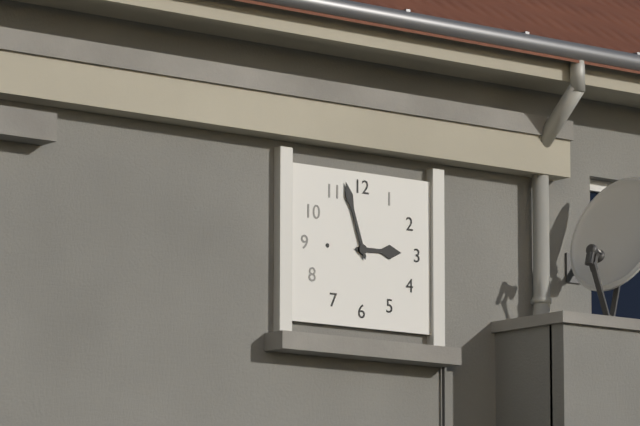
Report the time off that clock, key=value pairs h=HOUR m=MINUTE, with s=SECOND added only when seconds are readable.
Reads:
h=2 m=57
